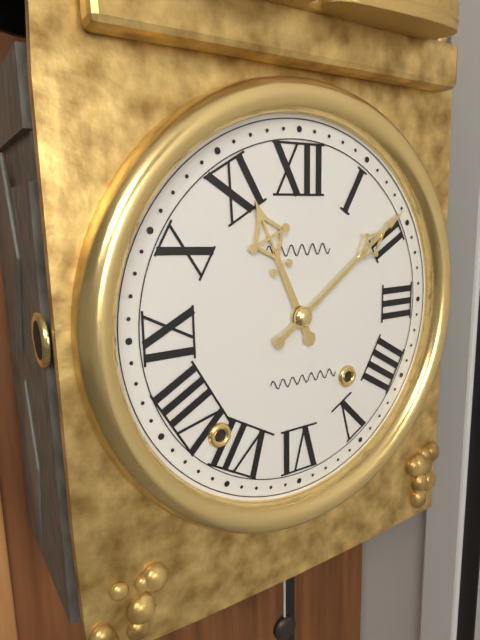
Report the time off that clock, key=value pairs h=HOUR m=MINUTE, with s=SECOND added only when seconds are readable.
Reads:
h=11 m=9
